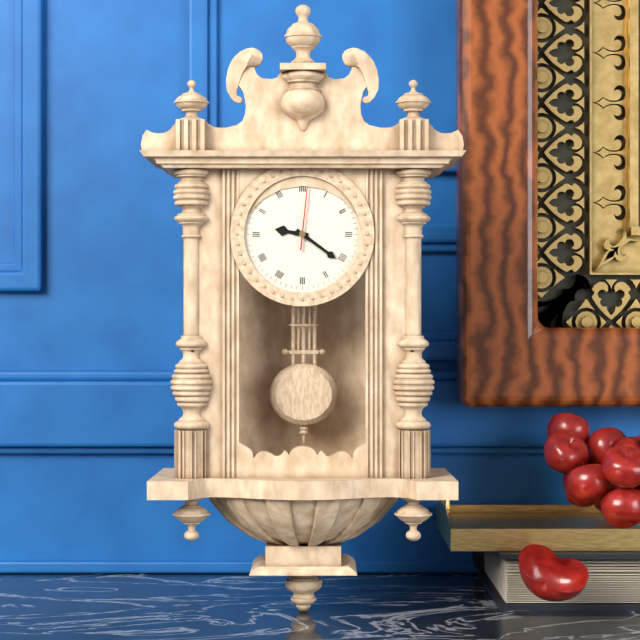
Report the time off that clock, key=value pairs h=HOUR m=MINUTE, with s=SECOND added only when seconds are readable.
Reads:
h=9 m=21 s=1
